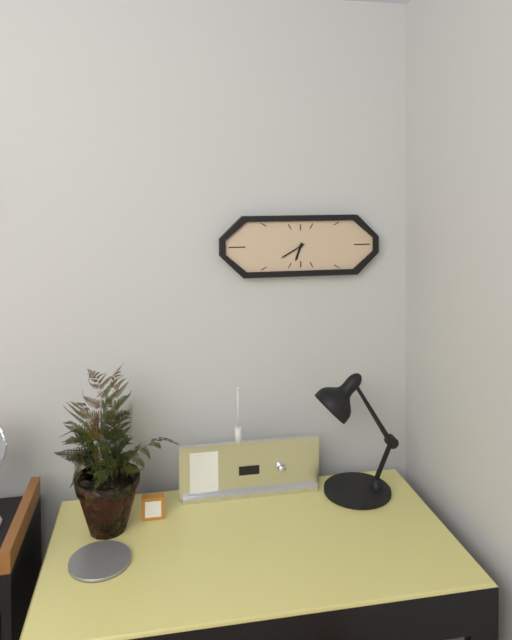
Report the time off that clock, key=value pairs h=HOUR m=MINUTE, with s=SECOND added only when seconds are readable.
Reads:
h=6 m=40
